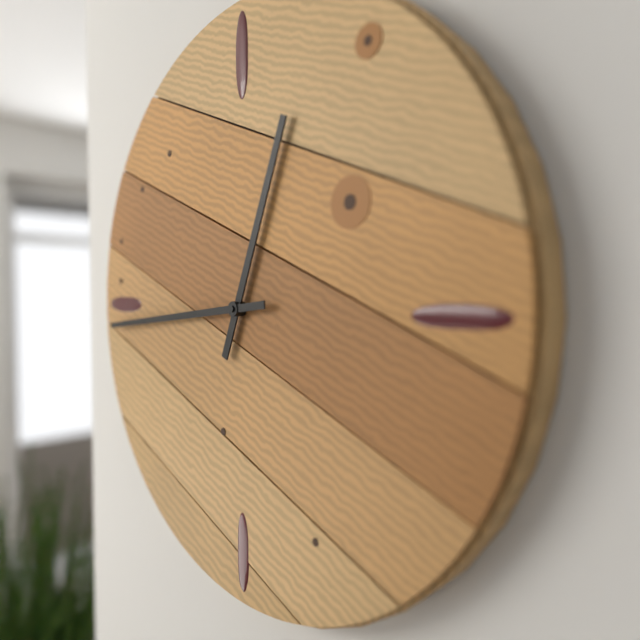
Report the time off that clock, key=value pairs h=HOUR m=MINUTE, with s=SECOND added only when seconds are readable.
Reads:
h=12 m=44
